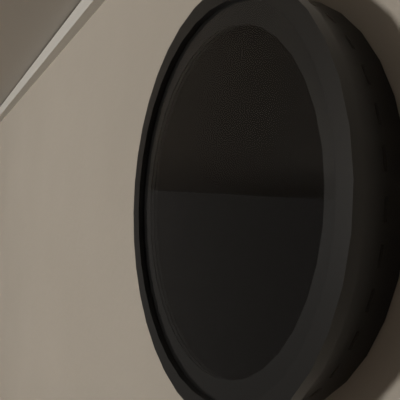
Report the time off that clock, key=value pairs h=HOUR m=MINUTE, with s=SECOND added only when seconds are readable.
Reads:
h=1 m=26
